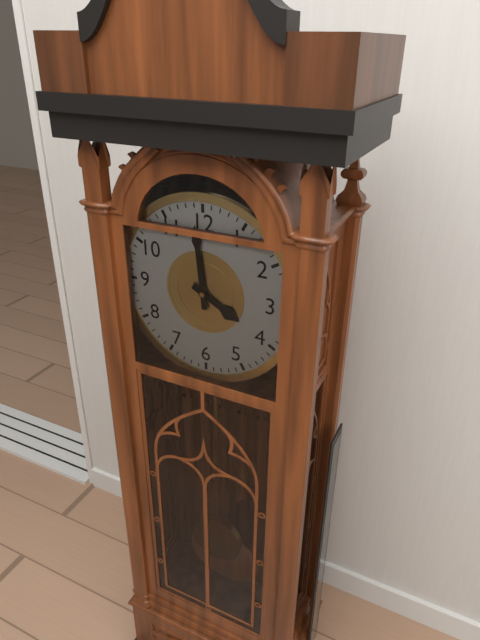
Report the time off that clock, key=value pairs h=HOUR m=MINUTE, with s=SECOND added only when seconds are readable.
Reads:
h=3 m=59
